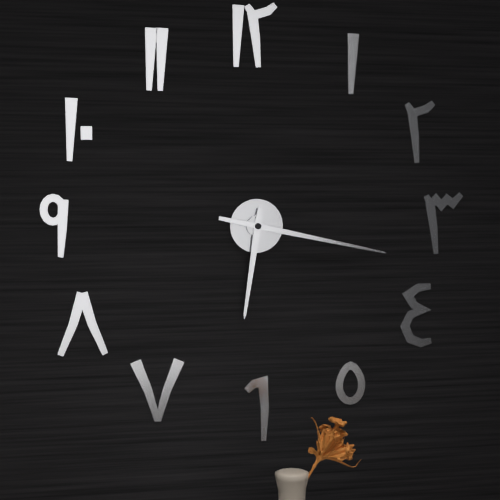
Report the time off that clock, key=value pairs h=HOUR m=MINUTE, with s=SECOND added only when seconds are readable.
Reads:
h=6 m=17
